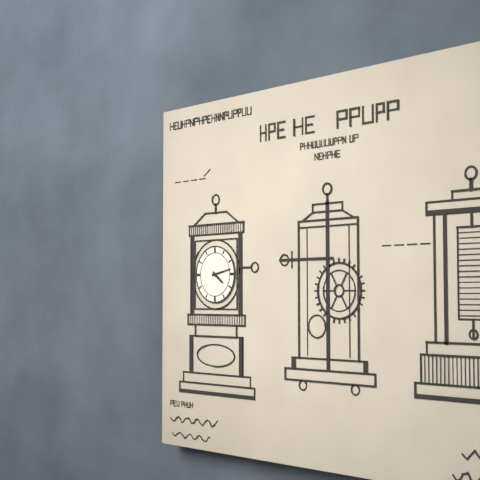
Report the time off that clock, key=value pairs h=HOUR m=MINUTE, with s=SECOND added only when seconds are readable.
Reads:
h=4 m=13
